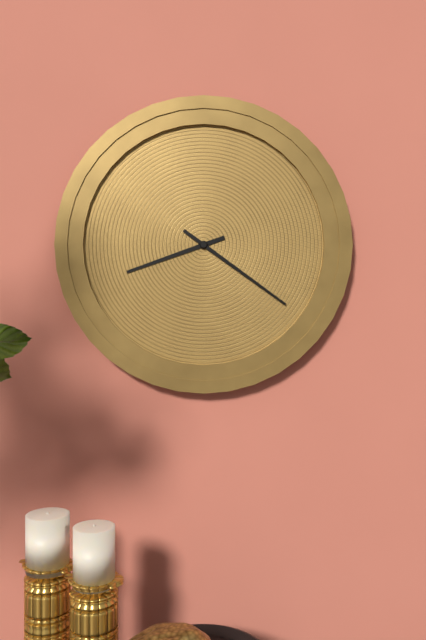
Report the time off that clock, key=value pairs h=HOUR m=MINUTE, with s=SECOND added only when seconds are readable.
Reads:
h=8 m=21
